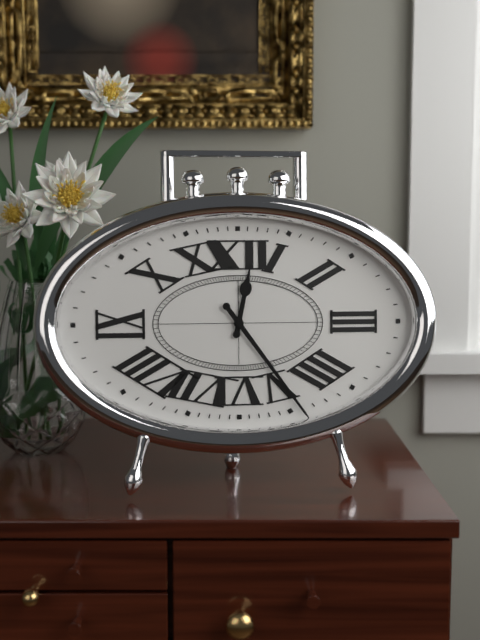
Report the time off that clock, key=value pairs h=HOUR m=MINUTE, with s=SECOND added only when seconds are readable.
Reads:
h=12 m=24
